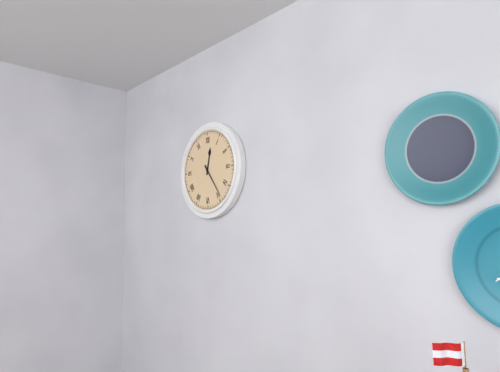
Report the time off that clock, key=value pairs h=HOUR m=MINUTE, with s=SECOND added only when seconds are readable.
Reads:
h=12 m=24
